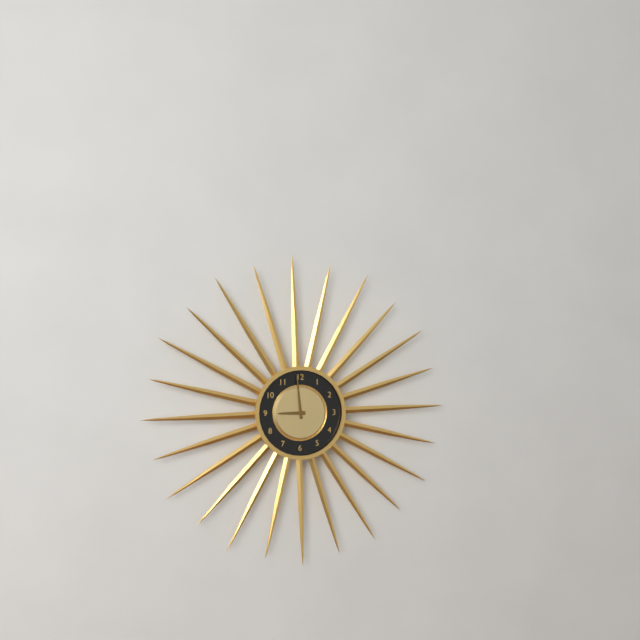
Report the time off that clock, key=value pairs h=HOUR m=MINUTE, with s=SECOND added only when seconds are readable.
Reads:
h=8 m=59
